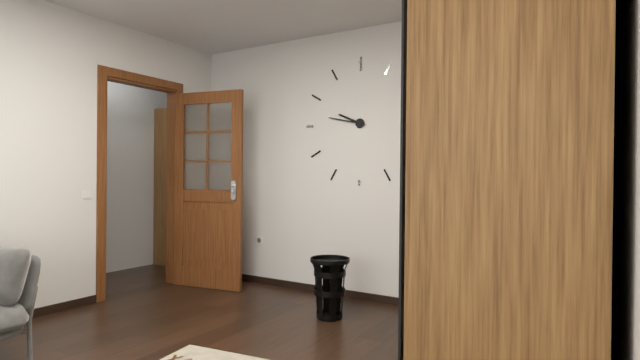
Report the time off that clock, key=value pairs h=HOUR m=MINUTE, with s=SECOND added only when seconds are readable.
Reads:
h=9 m=47
